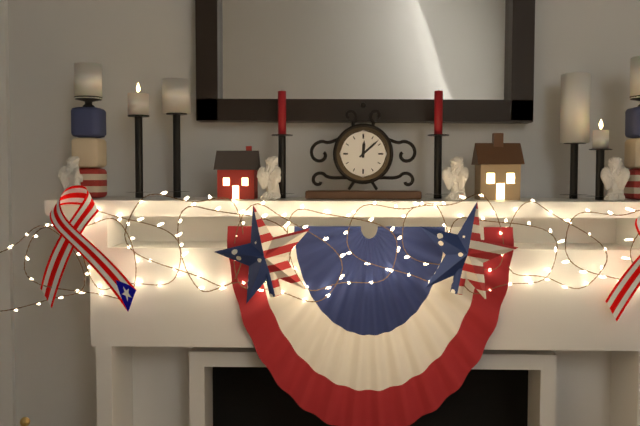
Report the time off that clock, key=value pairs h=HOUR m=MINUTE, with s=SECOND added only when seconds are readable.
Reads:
h=12 m=8
